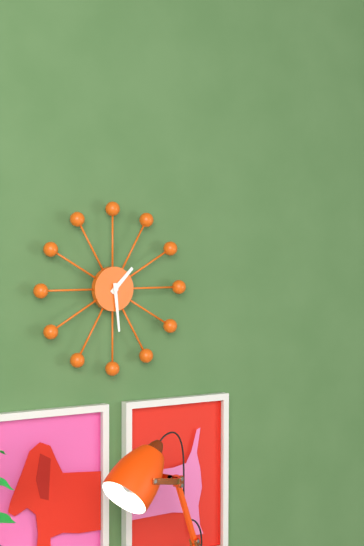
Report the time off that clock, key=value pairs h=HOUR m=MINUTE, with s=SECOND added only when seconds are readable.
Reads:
h=1 m=29
